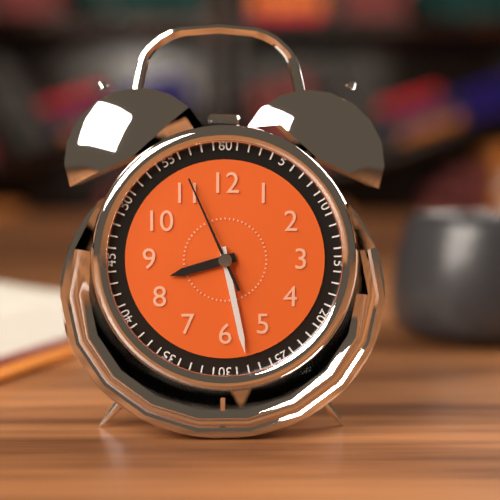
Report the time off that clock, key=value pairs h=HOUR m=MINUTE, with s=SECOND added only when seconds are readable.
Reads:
h=8 m=28 s=56
